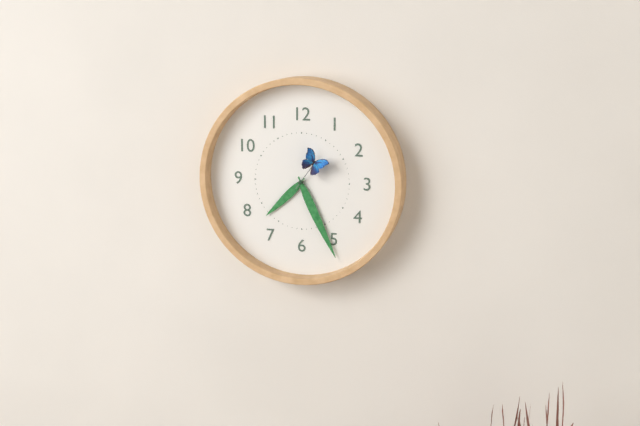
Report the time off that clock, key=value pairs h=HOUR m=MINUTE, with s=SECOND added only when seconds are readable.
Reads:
h=7 m=26
